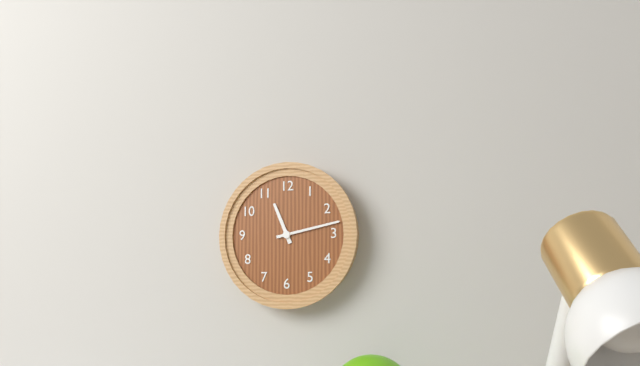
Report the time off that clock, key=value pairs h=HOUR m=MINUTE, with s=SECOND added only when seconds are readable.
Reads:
h=11 m=13
